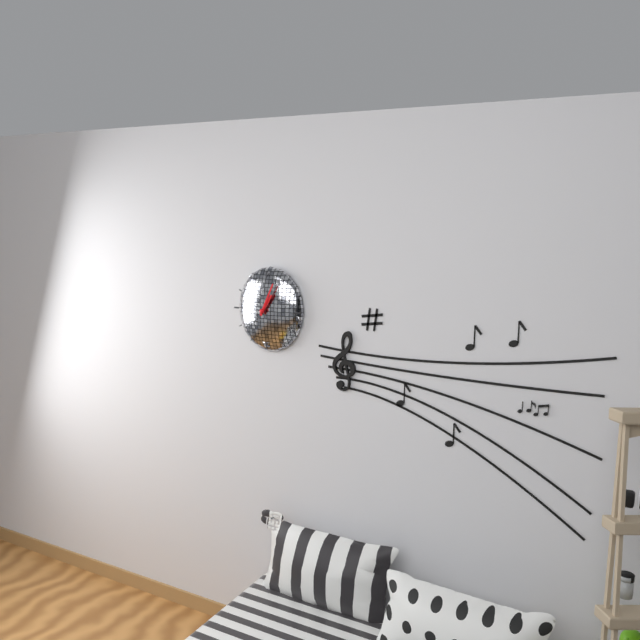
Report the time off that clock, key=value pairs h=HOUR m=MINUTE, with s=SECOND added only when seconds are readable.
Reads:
h=1 m=4
